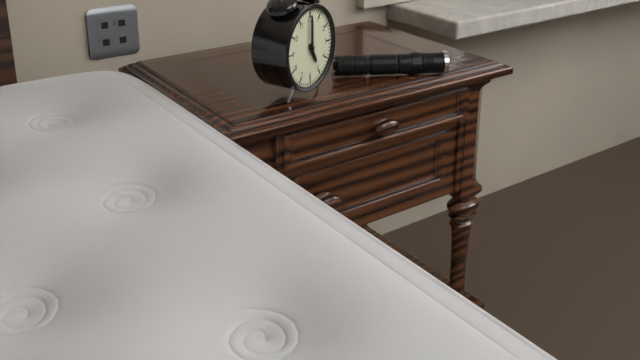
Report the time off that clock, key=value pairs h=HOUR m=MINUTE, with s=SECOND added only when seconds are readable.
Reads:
h=5 m=0
